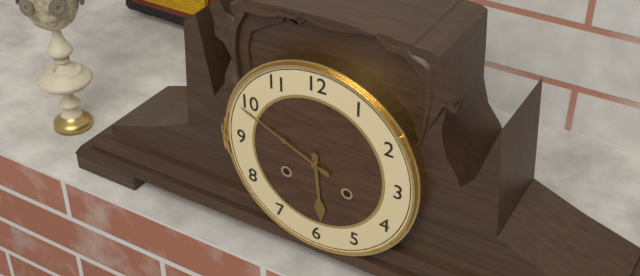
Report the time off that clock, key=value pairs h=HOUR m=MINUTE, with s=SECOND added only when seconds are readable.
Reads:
h=5 m=49
